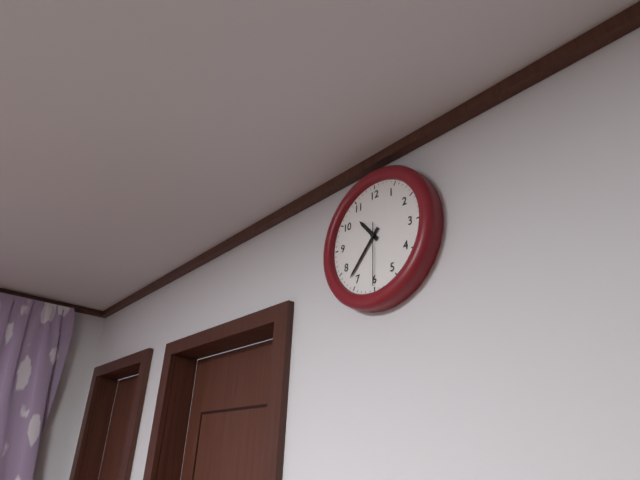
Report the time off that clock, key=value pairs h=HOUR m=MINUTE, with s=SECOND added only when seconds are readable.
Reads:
h=10 m=37 s=30
